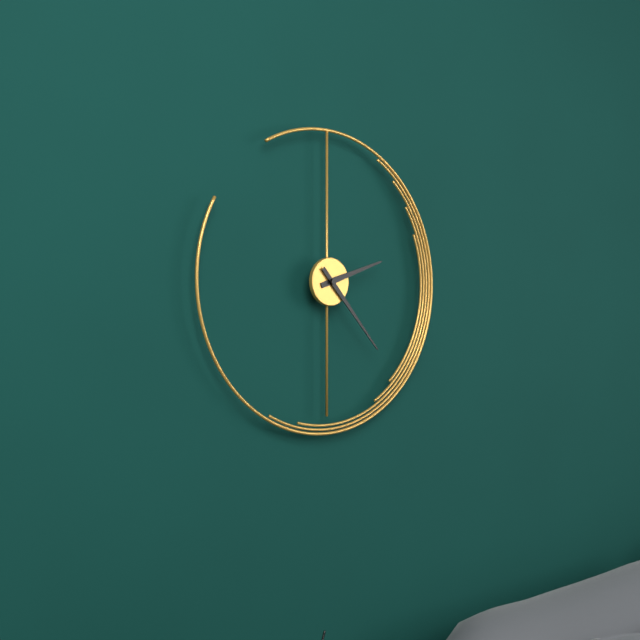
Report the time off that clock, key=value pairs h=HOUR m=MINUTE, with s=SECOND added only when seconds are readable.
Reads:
h=2 m=23
